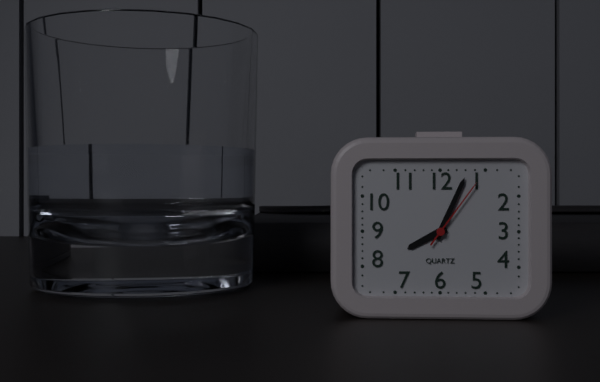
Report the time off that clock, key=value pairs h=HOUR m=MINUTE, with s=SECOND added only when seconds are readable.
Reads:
h=8 m=4 s=6
